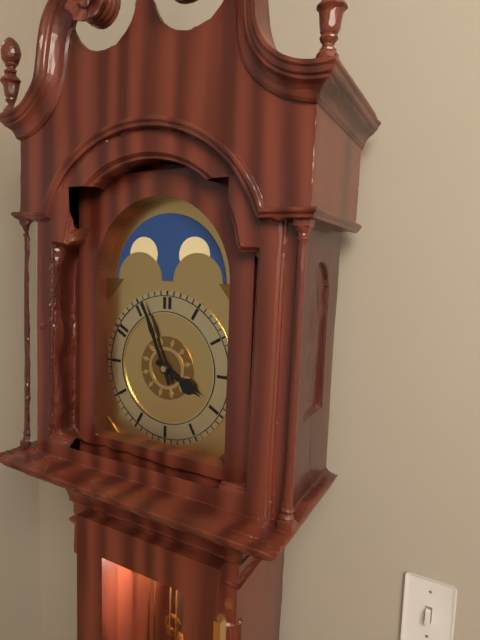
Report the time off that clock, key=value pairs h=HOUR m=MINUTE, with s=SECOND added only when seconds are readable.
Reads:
h=3 m=56
